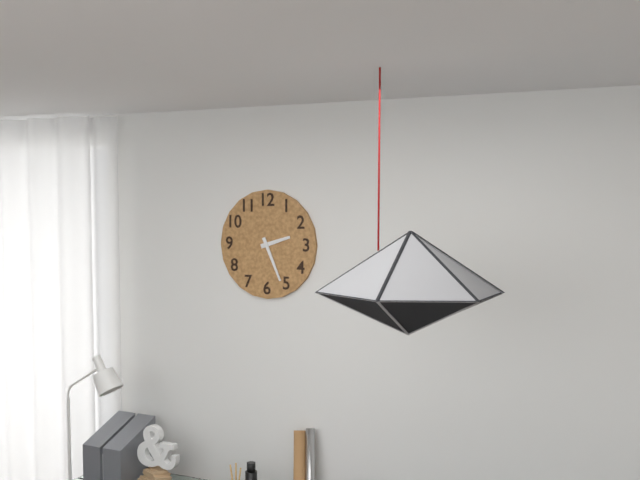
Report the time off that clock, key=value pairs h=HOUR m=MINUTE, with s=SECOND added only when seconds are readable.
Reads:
h=2 m=26
